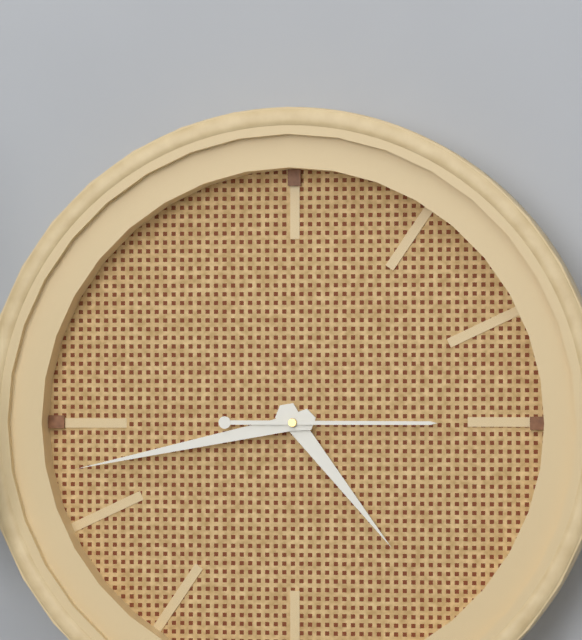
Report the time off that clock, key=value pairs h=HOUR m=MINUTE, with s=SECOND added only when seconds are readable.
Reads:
h=4 m=43 s=15
